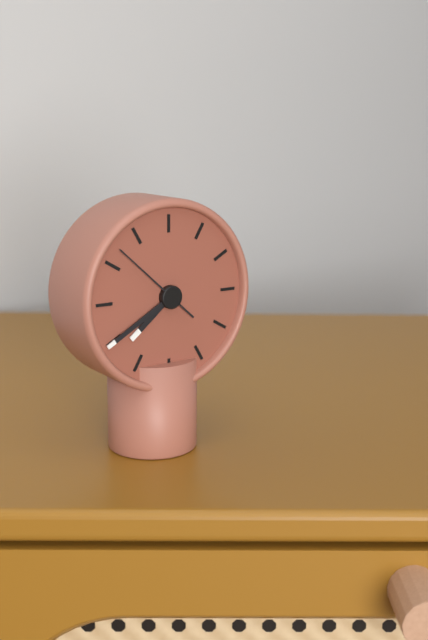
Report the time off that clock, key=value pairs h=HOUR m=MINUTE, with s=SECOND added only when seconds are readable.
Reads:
h=7 m=40 s=52
